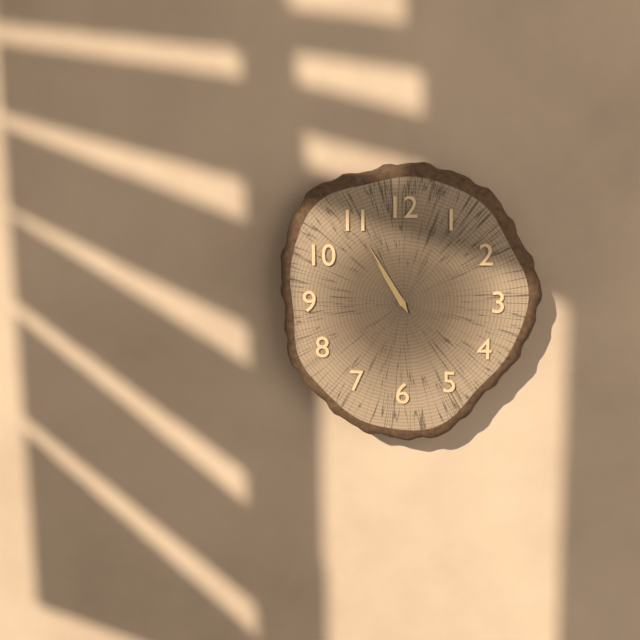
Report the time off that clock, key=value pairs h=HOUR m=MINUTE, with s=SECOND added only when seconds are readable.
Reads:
h=10 m=55
